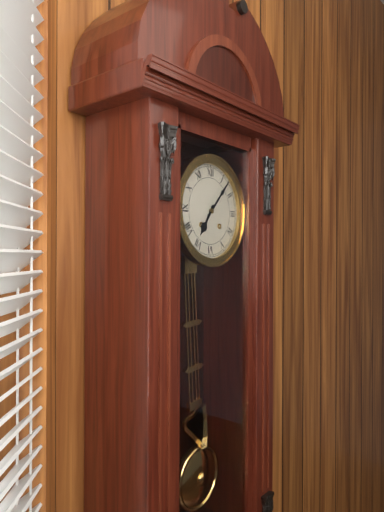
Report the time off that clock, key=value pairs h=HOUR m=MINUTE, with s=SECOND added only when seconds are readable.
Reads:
h=7 m=7
